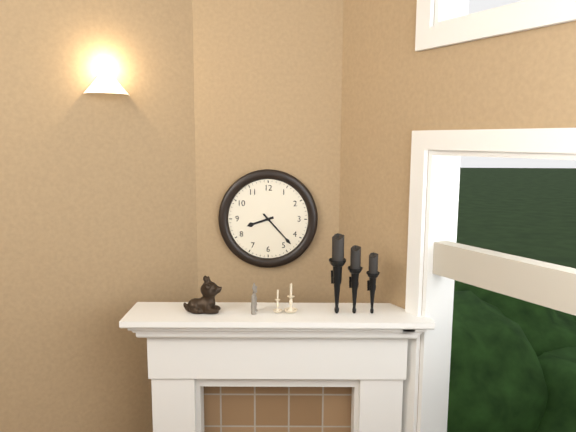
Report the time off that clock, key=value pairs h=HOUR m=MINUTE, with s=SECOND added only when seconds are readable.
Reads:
h=8 m=23
